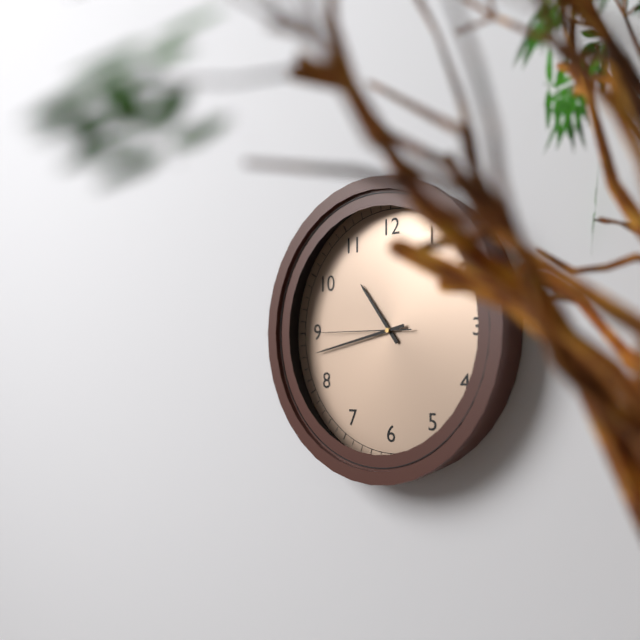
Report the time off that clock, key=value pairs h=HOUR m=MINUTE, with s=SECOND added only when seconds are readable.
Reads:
h=10 m=43 s=45
